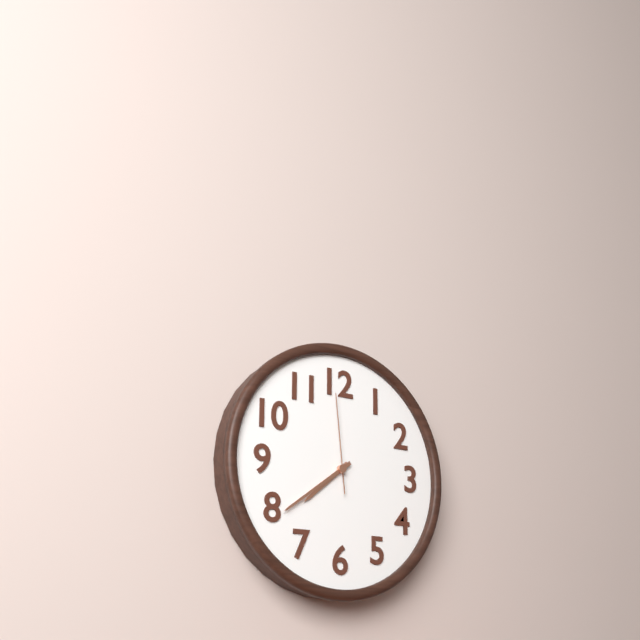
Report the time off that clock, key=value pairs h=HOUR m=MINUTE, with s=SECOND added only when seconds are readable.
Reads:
h=7 m=39 s=59
